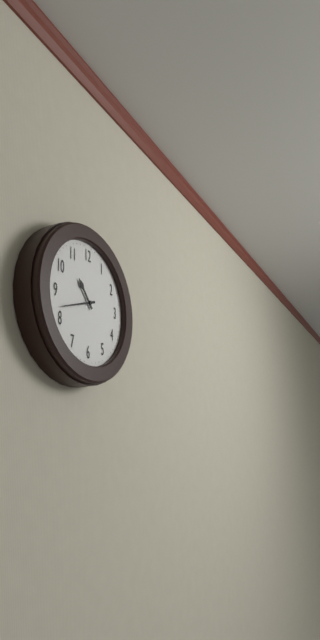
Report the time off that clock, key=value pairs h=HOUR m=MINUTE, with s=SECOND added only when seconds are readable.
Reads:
h=10 m=42
